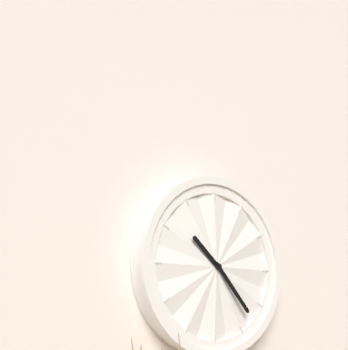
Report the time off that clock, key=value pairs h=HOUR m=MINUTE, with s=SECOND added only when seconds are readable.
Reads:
h=10 m=23
